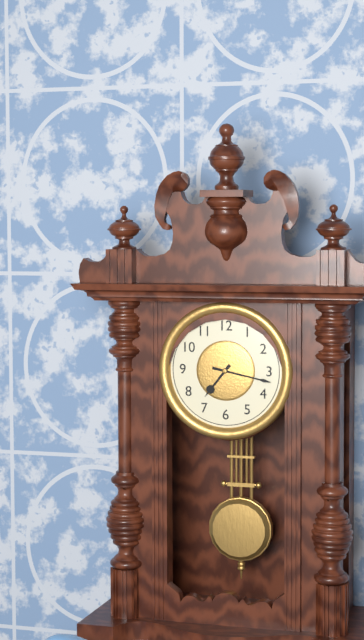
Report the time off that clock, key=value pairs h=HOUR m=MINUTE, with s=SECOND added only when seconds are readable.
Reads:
h=7 m=17
